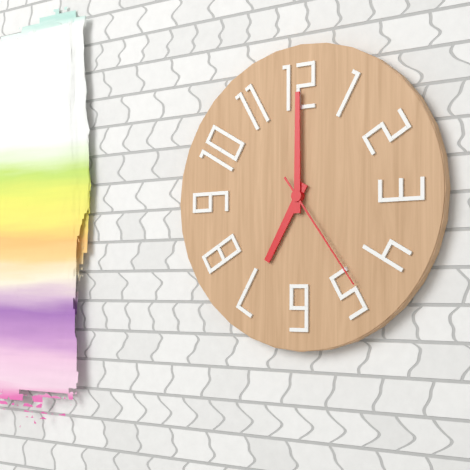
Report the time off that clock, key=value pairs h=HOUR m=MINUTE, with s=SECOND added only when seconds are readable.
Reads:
h=7 m=0 s=24
